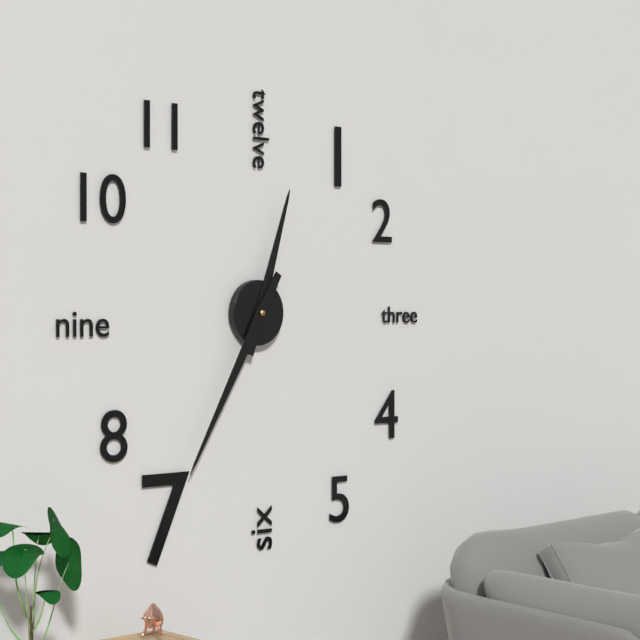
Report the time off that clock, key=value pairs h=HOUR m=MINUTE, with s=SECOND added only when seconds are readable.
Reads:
h=12 m=35
